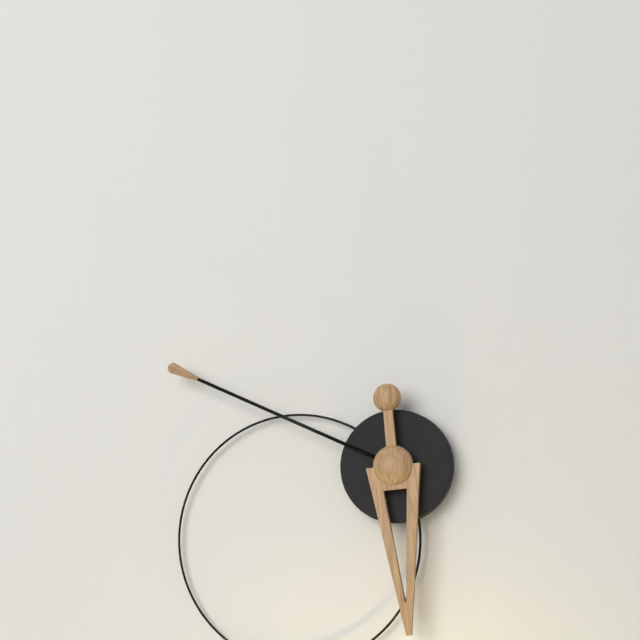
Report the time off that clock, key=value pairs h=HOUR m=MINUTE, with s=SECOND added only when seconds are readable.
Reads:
h=5 m=49
